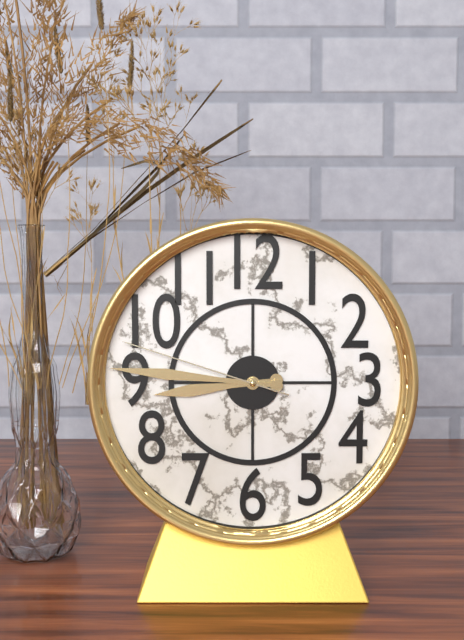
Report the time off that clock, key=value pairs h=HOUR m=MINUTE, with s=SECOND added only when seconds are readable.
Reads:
h=8 m=46 s=48
